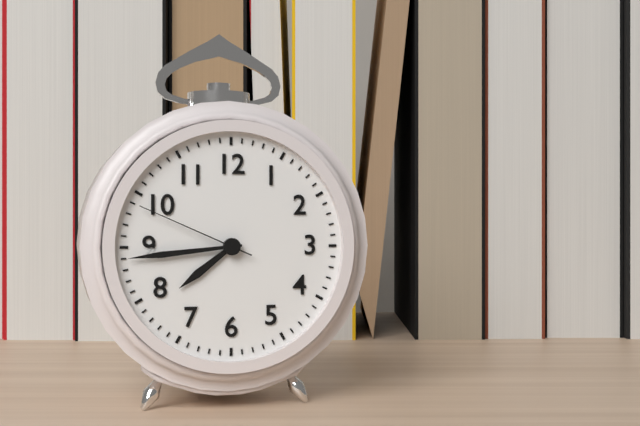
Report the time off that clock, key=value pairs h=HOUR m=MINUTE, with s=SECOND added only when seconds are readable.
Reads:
h=7 m=44 s=49
